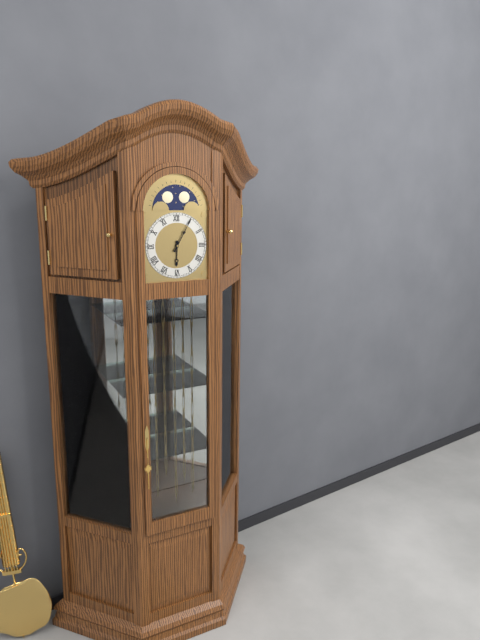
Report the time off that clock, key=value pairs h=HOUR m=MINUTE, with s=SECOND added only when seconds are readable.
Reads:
h=6 m=5
